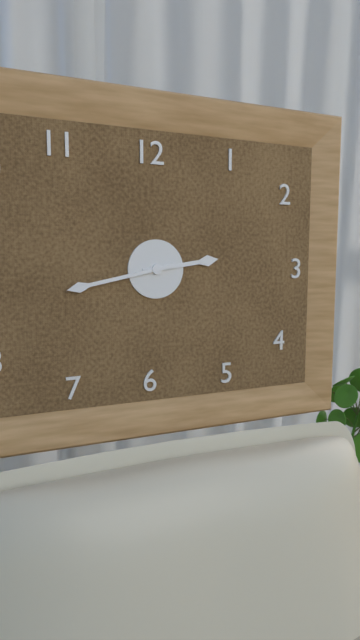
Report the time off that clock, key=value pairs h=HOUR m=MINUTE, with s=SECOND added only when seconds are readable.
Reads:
h=2 m=43
